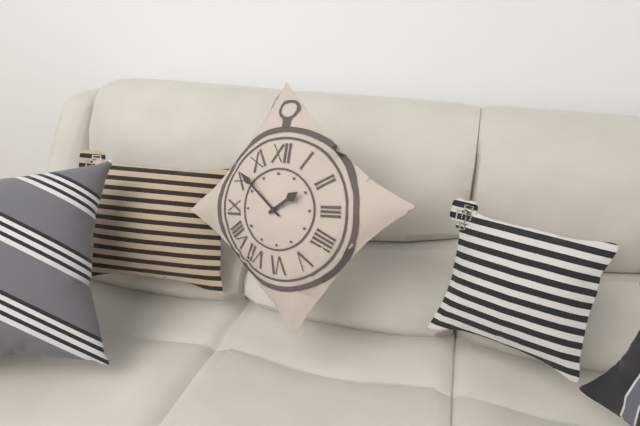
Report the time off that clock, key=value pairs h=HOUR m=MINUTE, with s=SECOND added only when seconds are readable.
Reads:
h=1 m=52
